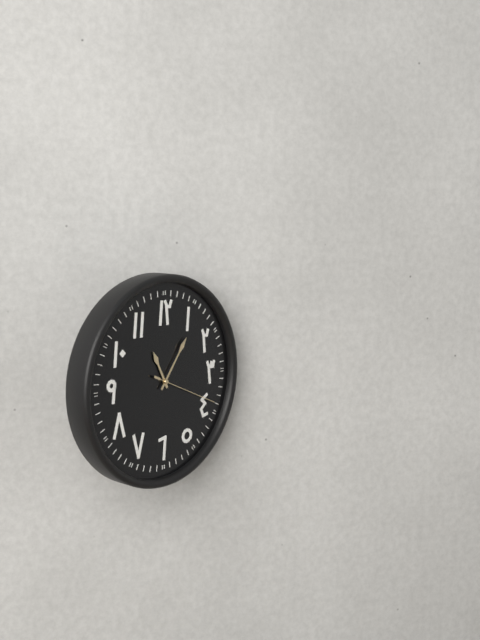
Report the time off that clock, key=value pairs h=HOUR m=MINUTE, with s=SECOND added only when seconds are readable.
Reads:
h=11 m=6 s=19
